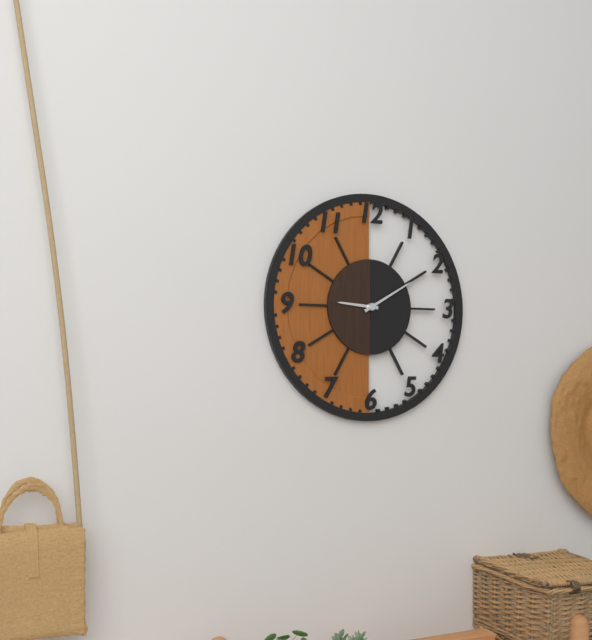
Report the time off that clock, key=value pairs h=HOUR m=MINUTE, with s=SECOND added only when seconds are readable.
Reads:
h=9 m=10
